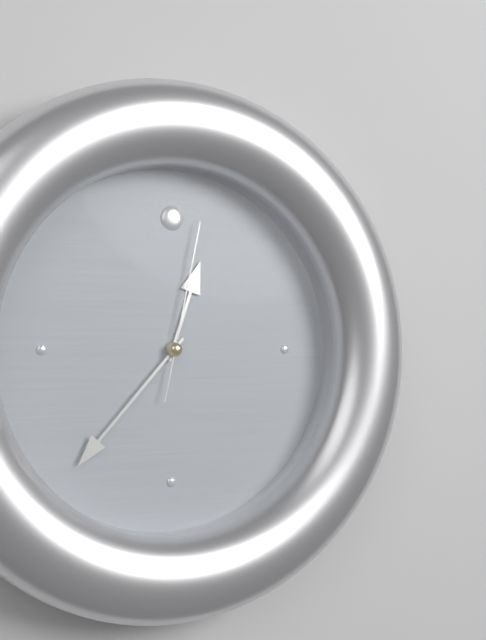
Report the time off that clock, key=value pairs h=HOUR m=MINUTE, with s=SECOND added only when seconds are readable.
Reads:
h=12 m=37 s=2
